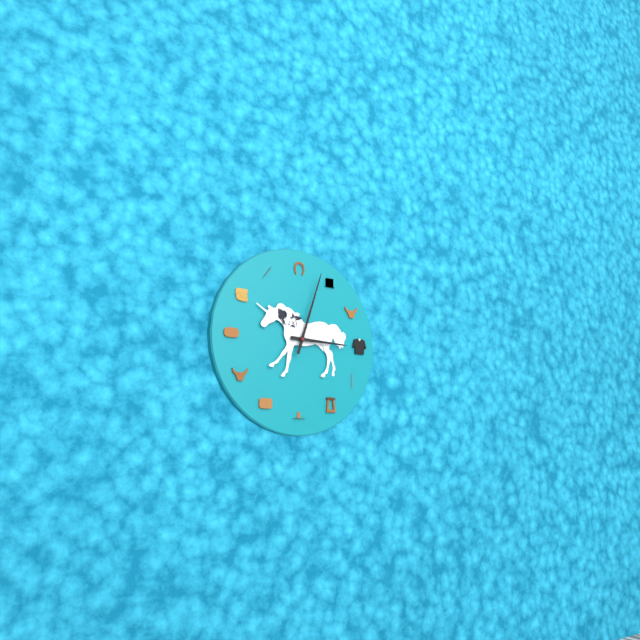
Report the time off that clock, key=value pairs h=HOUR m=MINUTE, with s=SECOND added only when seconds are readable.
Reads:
h=3 m=3
